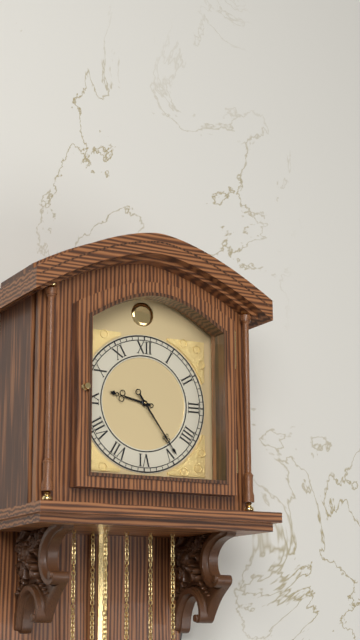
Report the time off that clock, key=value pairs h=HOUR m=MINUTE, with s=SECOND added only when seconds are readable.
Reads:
h=9 m=24
